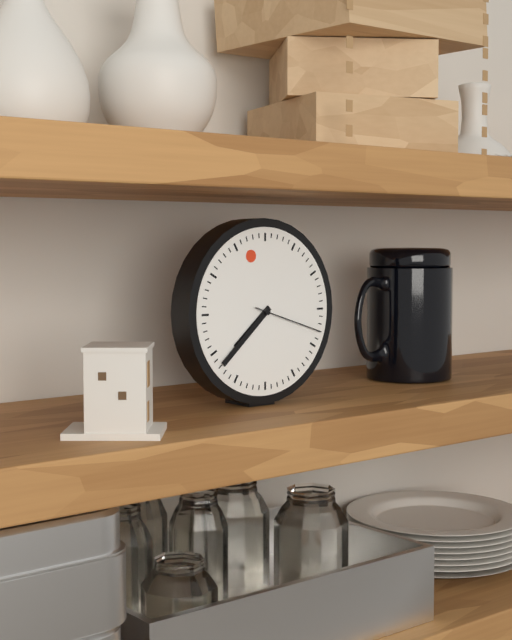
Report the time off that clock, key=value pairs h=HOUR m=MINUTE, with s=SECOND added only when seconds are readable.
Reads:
h=7 m=38 s=18
